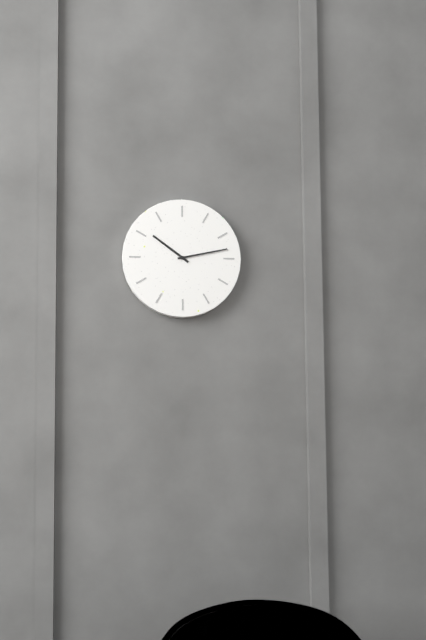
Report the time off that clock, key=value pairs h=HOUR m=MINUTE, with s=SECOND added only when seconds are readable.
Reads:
h=10 m=13
